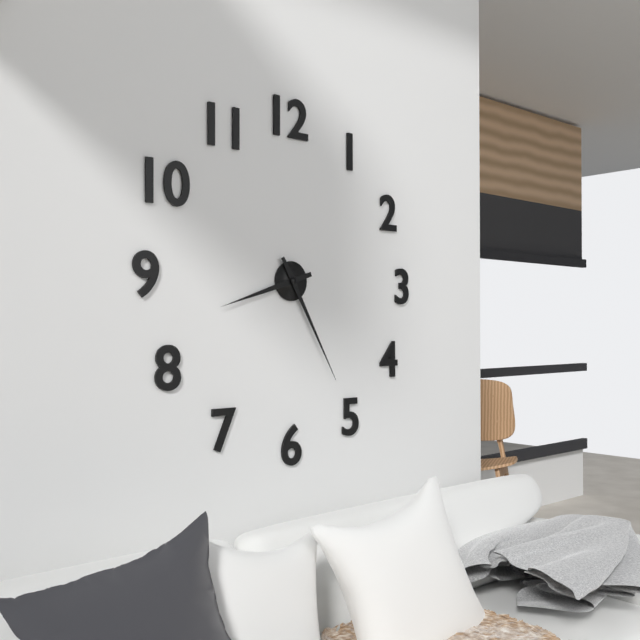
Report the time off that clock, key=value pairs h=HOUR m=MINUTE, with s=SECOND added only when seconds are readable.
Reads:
h=8 m=25
